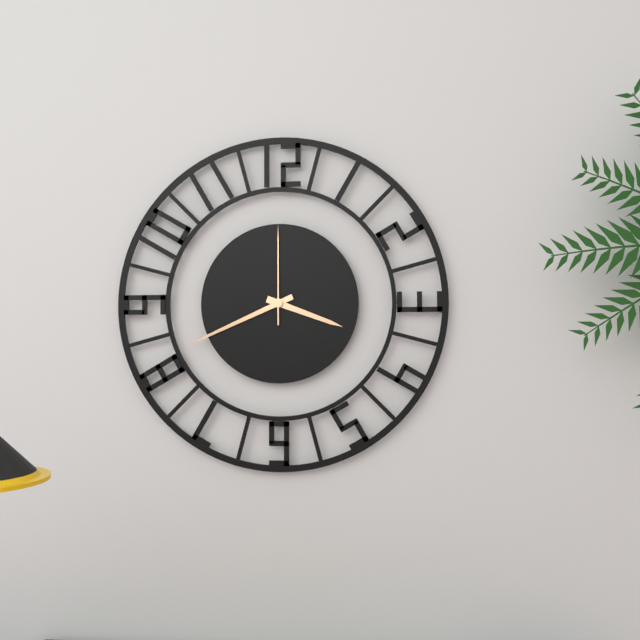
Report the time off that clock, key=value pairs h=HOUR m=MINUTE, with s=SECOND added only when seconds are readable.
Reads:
h=3 m=41 s=0
